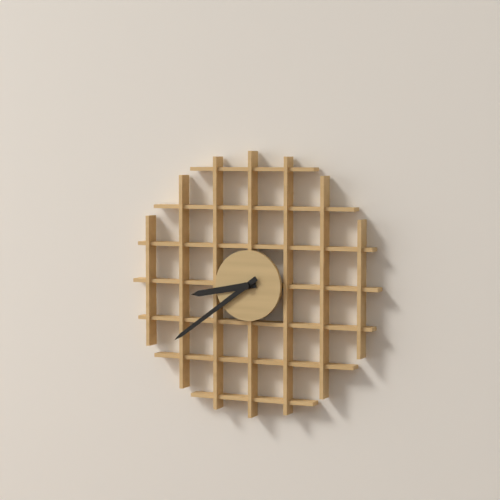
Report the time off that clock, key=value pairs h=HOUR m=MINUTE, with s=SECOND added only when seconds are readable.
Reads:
h=8 m=39
